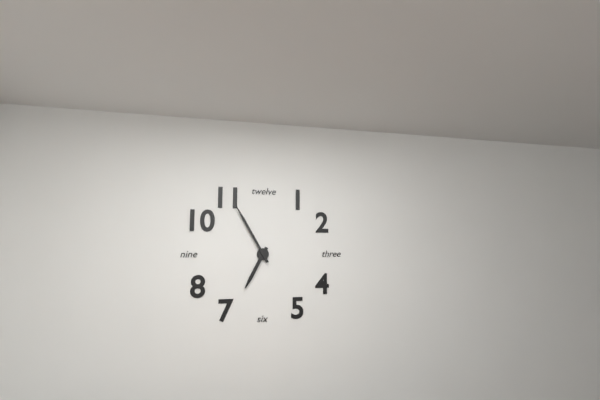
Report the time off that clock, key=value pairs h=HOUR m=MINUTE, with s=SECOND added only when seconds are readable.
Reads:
h=6 m=55
